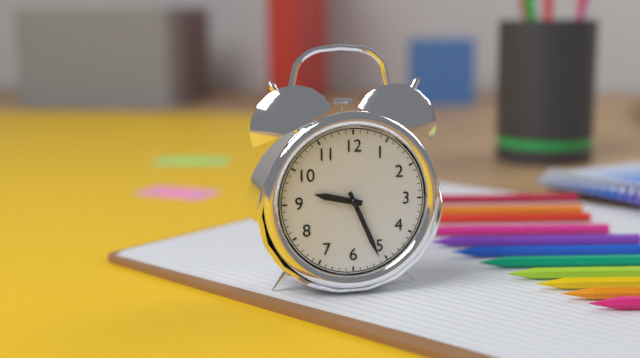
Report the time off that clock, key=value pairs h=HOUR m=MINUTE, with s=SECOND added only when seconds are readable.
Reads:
h=9 m=26
